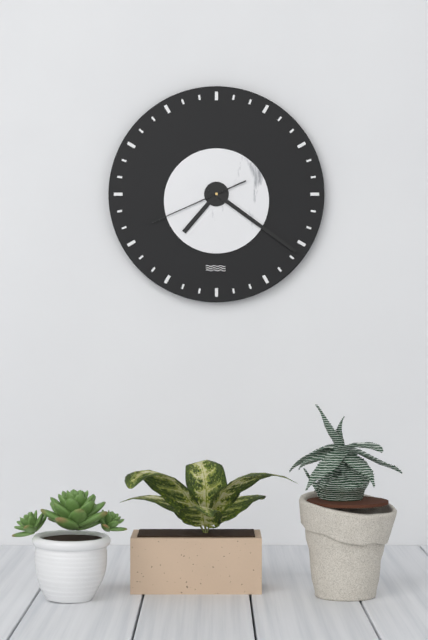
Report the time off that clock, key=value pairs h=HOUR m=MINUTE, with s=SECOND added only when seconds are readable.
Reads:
h=7 m=21 s=41
